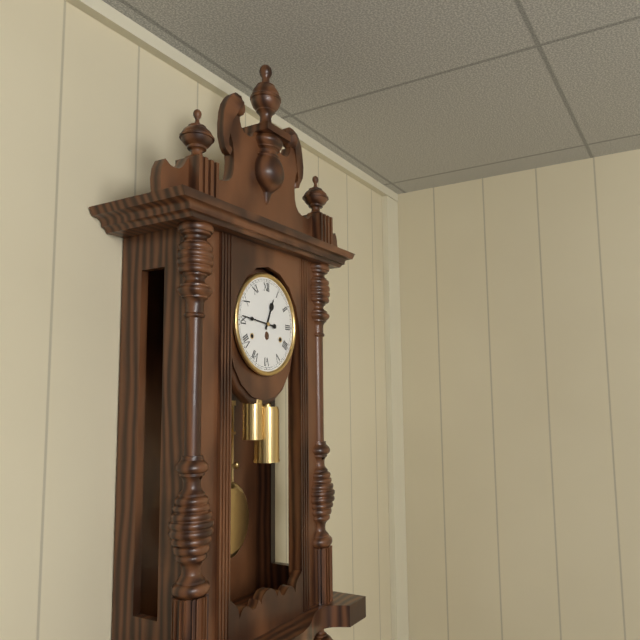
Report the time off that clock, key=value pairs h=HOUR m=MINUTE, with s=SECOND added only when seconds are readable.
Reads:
h=12 m=46
